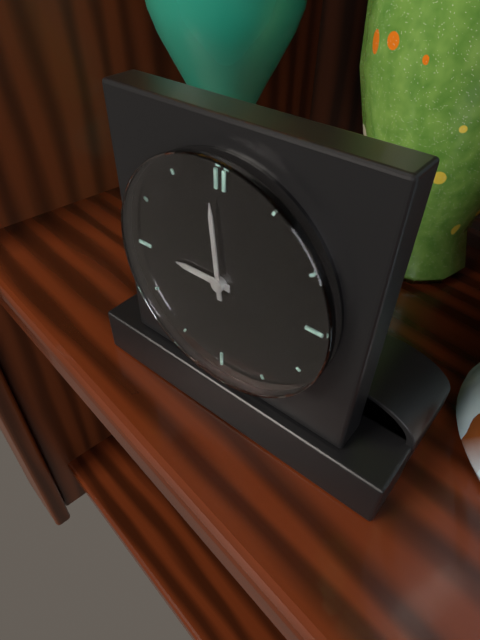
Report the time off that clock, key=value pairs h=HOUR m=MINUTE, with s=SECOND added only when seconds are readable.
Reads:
h=8 m=59
